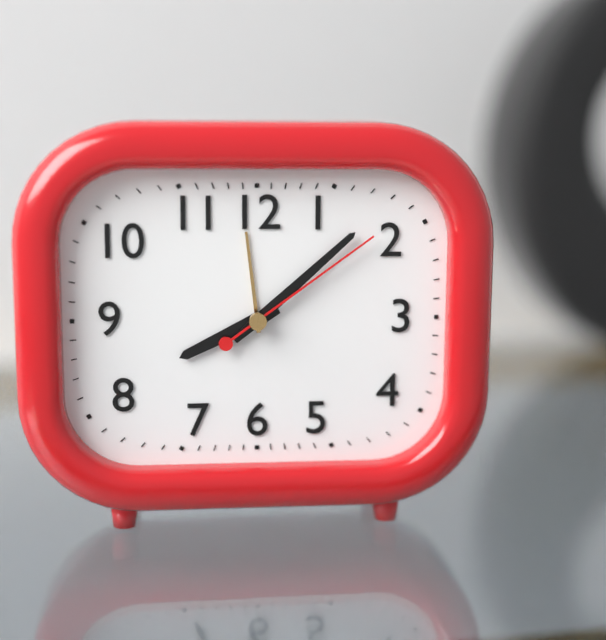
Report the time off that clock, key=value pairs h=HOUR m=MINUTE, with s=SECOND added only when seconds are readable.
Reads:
h=8 m=8 s=9
